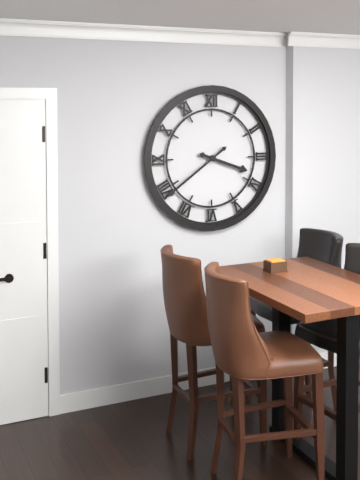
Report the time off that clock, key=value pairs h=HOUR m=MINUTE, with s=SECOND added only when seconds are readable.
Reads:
h=3 m=39
